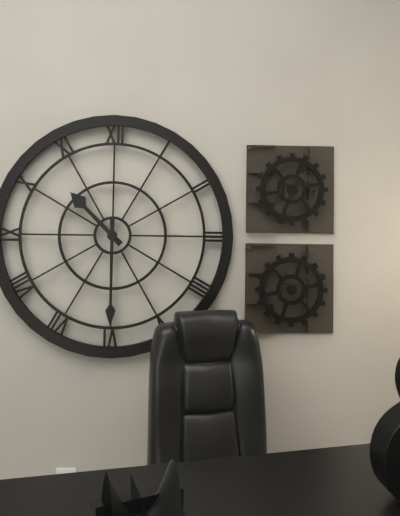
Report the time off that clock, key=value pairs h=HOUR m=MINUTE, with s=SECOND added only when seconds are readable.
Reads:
h=10 m=30
